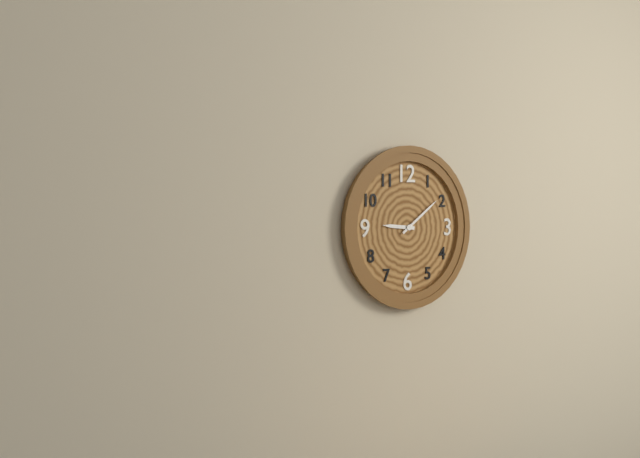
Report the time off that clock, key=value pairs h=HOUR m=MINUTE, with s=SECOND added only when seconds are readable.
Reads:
h=9 m=9
